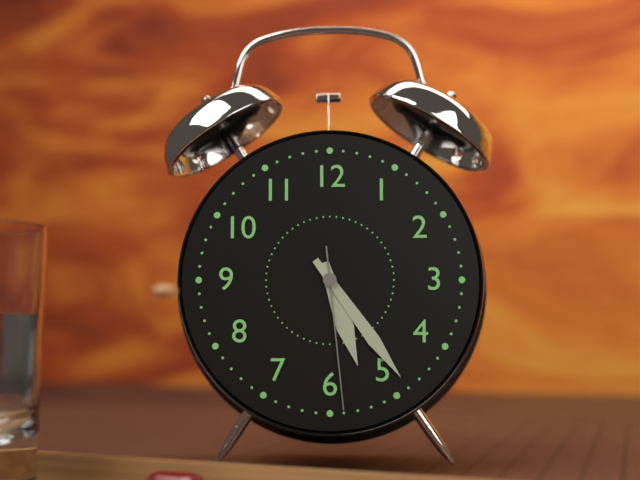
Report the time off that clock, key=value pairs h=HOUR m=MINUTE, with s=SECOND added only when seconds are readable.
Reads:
h=5 m=24 s=29
